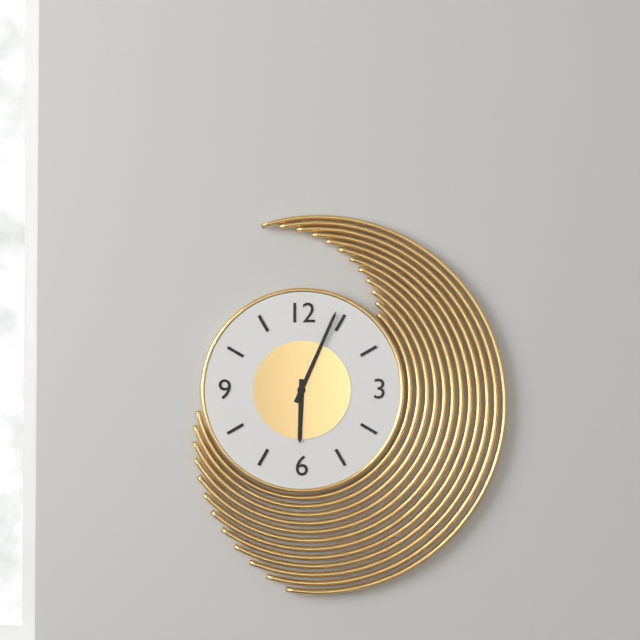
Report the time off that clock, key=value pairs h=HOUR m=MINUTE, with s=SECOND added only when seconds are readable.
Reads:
h=6 m=4
